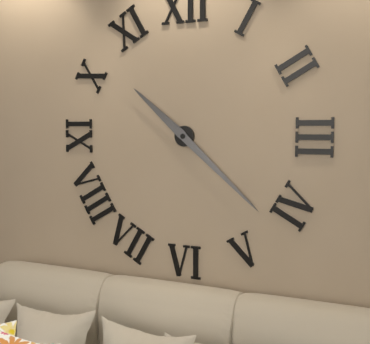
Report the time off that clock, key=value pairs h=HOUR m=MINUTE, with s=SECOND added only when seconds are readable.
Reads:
h=10 m=22
